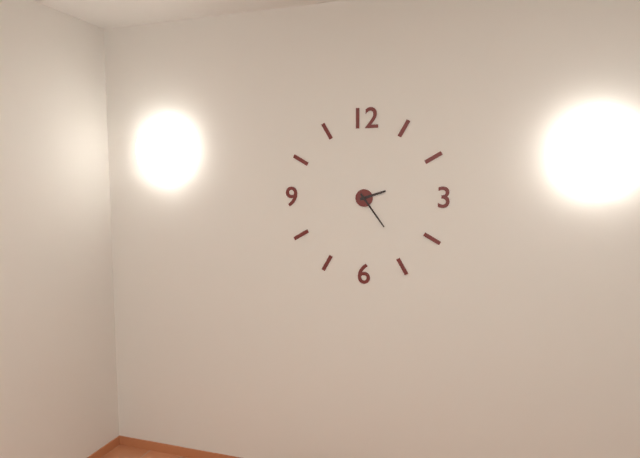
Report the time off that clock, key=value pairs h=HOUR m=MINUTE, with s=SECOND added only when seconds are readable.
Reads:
h=2 m=24
